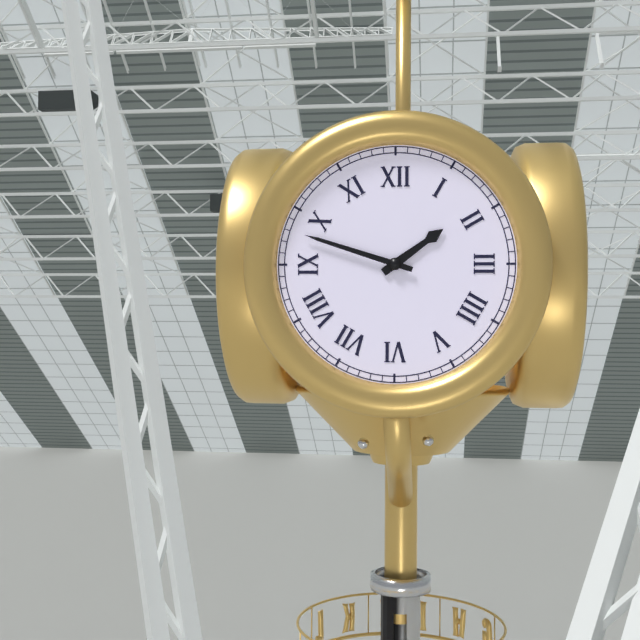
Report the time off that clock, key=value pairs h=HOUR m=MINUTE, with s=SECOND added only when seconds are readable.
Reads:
h=1 m=48
